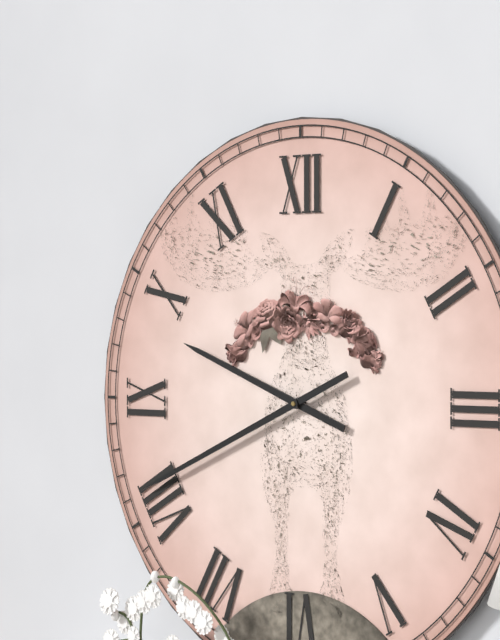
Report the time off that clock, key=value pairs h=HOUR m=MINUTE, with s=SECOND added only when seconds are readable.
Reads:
h=9 m=41
